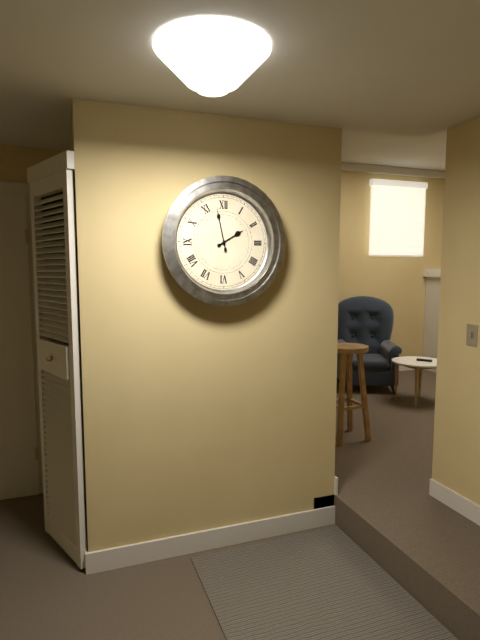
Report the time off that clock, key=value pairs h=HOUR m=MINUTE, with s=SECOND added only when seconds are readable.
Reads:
h=1 m=58
